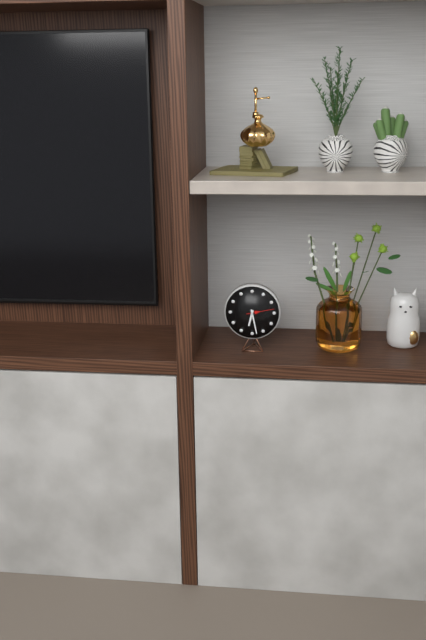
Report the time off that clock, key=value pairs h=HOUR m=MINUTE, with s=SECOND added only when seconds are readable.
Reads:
h=6 m=28
